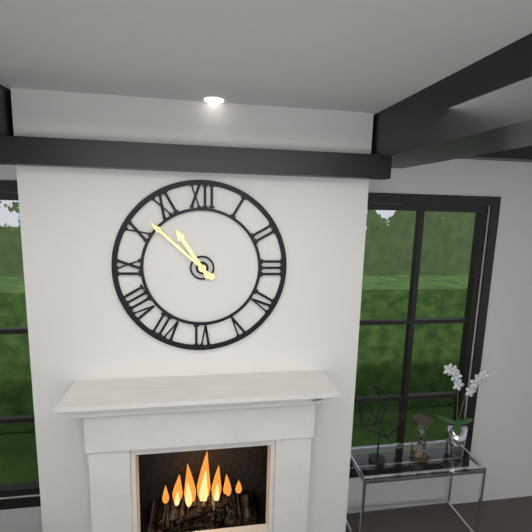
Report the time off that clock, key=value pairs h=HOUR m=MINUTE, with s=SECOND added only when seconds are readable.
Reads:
h=10 m=52
